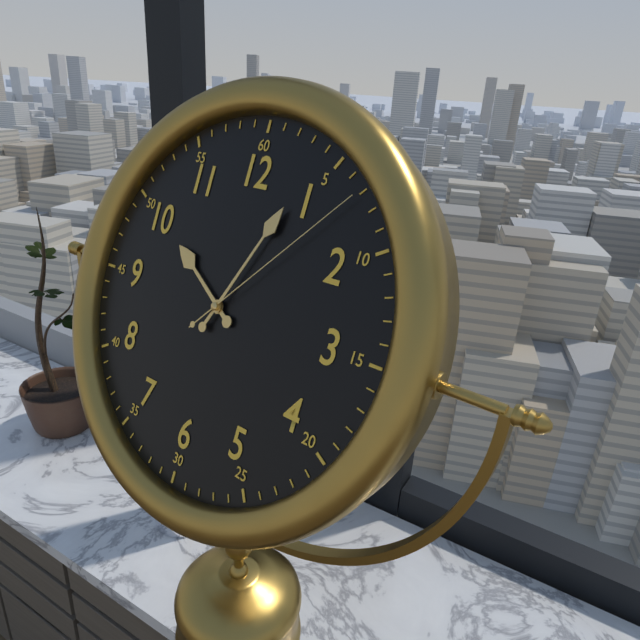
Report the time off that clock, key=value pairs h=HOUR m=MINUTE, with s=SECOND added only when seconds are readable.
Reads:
h=10 m=4 s=7
